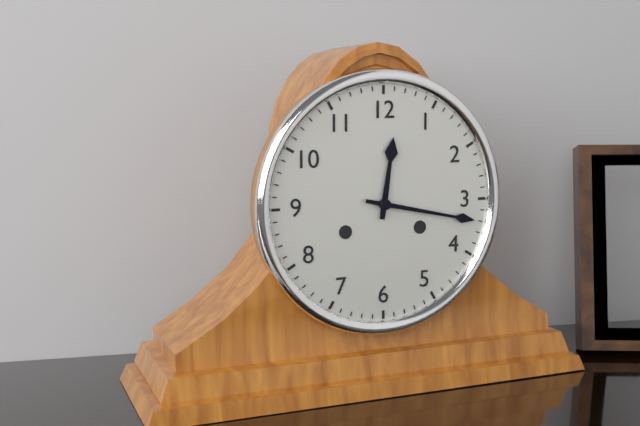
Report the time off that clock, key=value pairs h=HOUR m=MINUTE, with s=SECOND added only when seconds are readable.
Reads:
h=12 m=17
